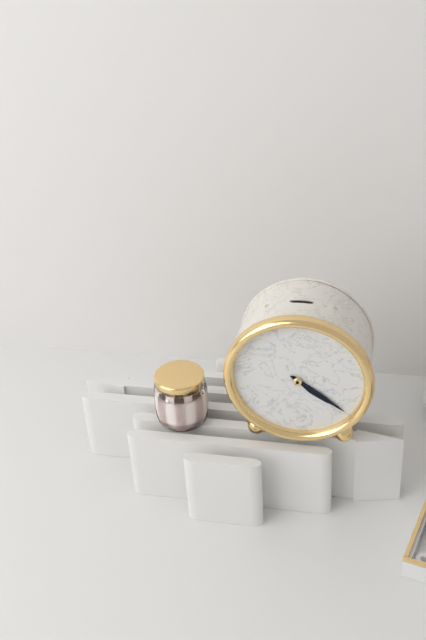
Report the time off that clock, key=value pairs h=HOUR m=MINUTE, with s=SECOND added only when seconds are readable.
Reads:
h=4 m=21
